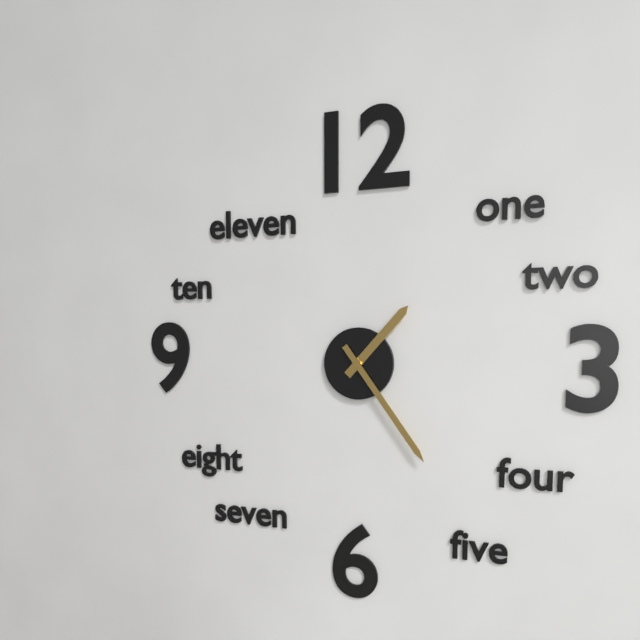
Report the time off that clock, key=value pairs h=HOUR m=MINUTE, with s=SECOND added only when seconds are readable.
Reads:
h=1 m=24
